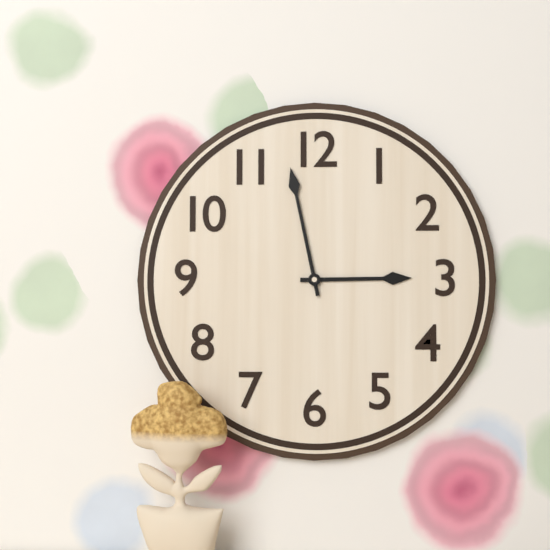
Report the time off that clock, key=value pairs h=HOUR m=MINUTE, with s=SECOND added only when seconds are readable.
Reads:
h=2 m=58
